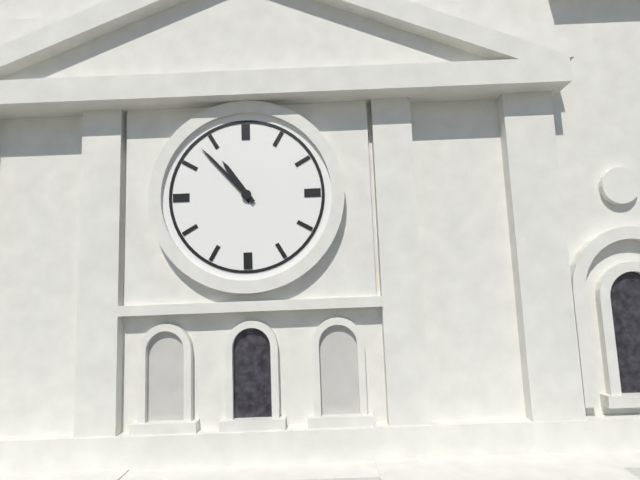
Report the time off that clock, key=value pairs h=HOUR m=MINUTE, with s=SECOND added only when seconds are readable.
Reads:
h=10 m=53
